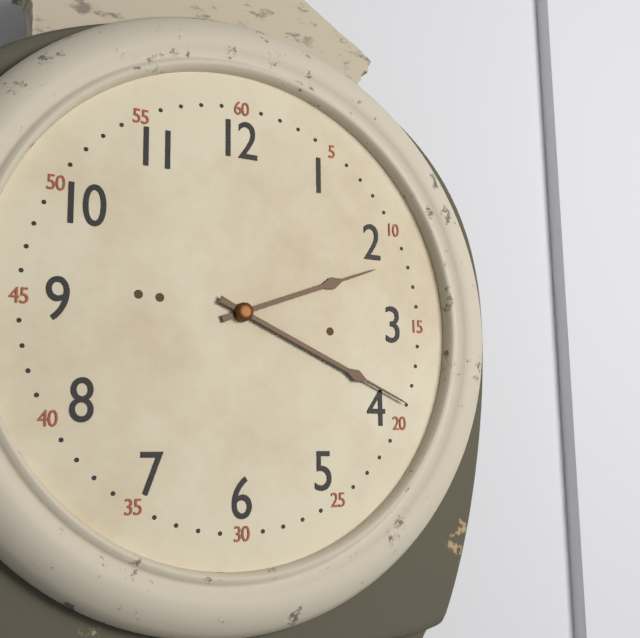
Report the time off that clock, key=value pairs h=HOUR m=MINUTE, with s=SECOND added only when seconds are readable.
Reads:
h=2 m=19
